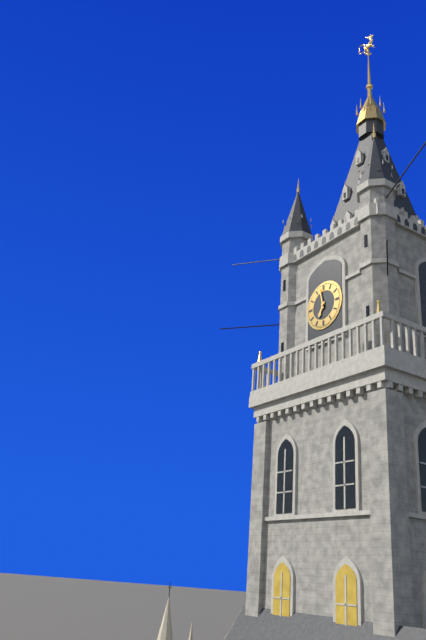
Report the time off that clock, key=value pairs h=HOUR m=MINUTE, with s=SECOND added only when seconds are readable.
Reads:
h=6 m=58
